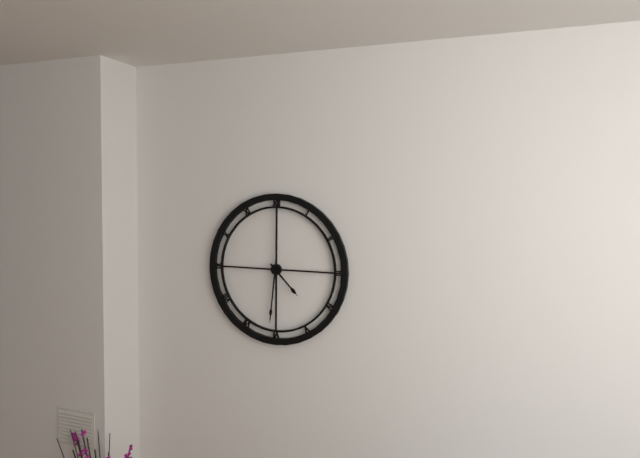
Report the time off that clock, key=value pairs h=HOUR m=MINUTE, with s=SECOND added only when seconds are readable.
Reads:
h=4 m=31
